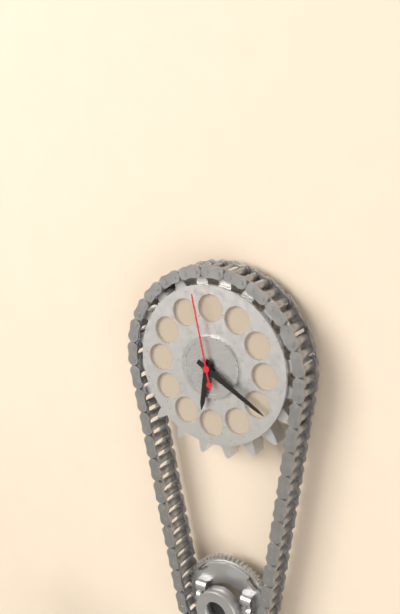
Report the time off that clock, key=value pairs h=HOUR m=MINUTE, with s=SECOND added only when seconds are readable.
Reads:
h=6 m=20 s=58
